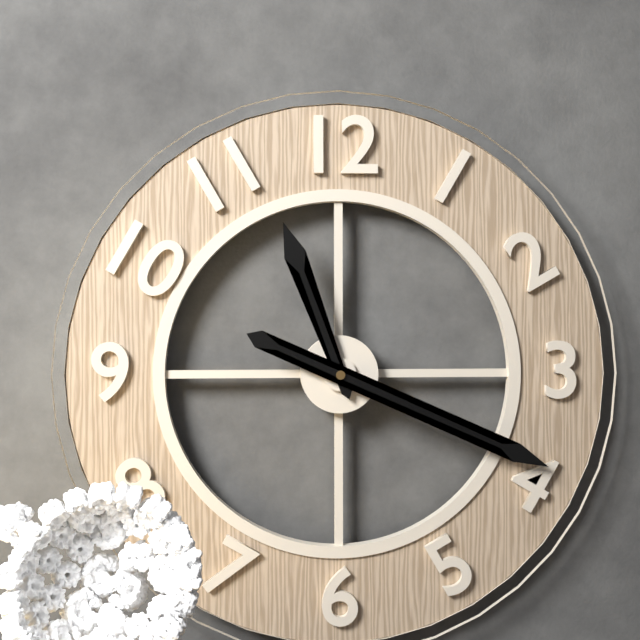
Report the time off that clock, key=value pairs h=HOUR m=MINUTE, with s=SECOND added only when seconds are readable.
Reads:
h=11 m=19
